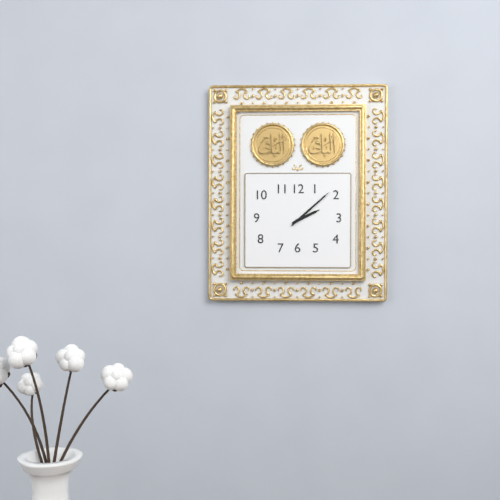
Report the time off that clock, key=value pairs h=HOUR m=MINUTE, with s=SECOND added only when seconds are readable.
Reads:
h=2 m=8
